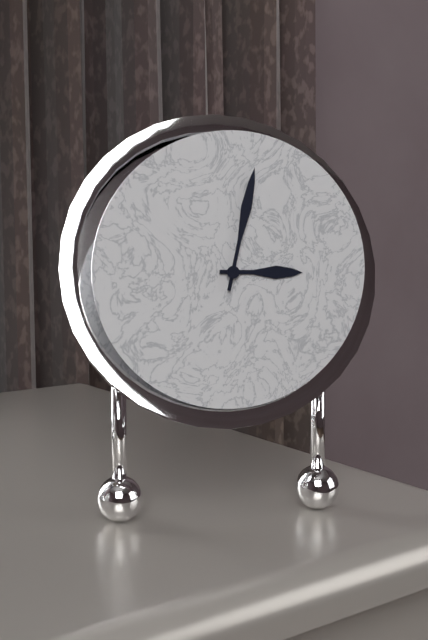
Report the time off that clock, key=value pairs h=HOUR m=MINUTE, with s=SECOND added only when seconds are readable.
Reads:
h=3 m=2
